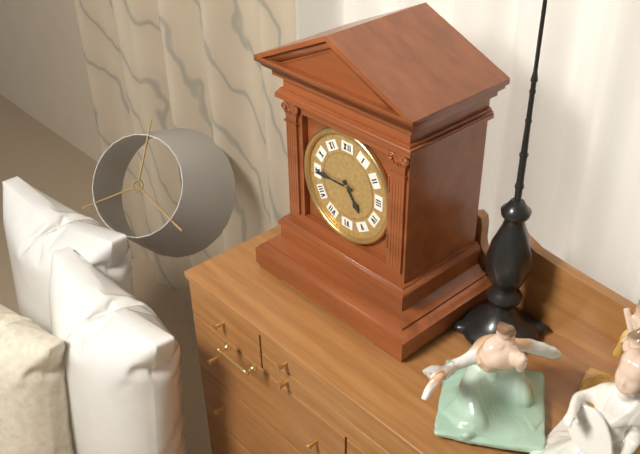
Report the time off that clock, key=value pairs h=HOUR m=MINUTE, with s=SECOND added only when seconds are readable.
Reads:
h=4 m=45
